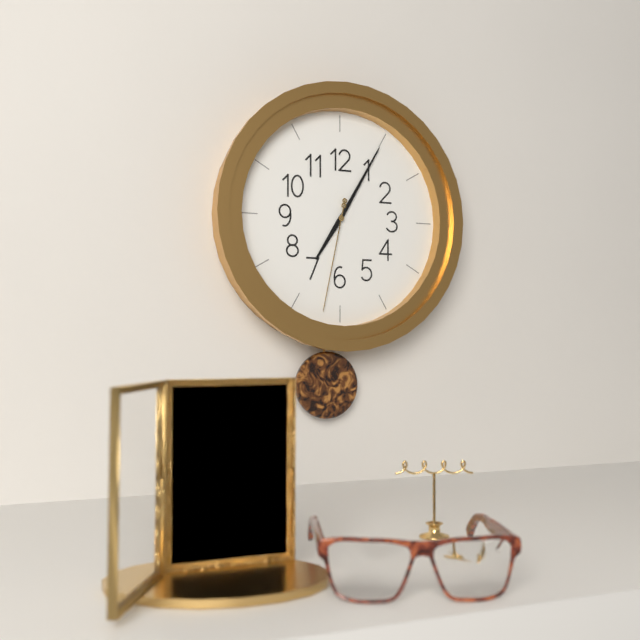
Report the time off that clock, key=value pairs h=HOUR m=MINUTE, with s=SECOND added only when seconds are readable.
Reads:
h=7 m=5 s=32
